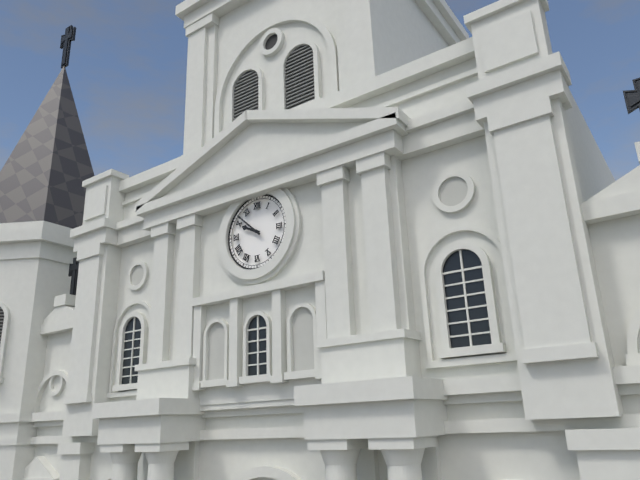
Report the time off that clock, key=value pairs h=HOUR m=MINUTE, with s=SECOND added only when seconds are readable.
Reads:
h=9 m=52
